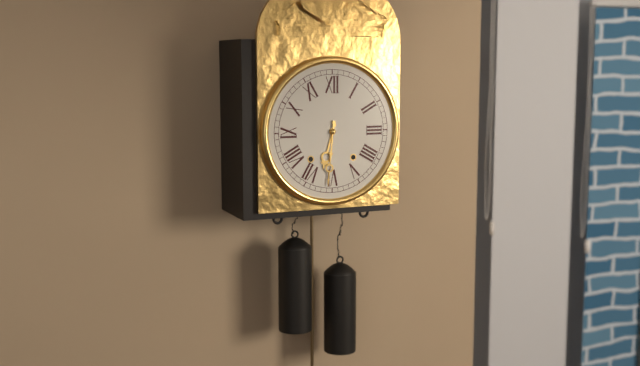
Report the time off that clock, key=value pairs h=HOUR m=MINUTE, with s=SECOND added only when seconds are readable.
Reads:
h=6 m=31
